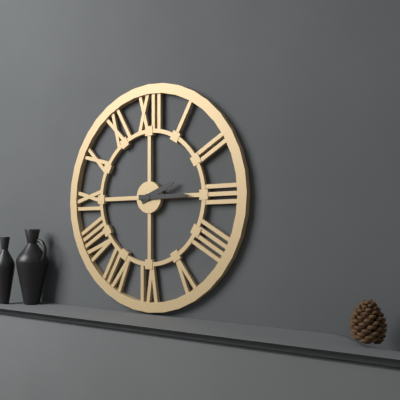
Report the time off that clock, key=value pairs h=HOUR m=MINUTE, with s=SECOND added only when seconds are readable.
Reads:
h=2 m=15
